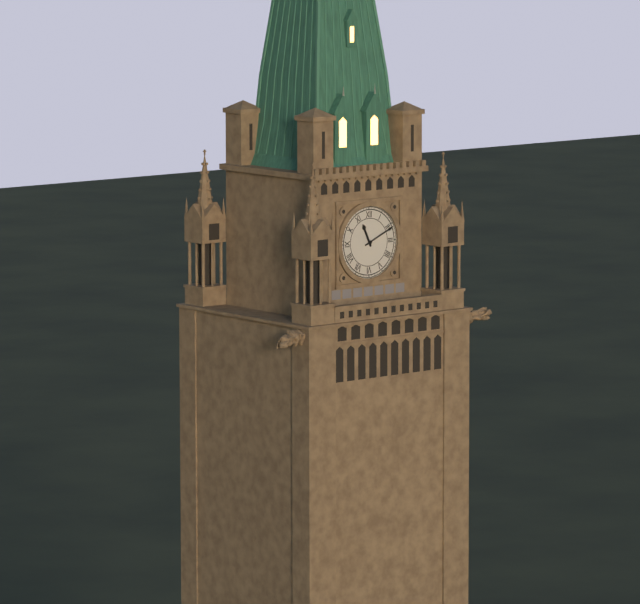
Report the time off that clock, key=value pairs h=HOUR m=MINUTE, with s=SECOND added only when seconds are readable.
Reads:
h=11 m=11
